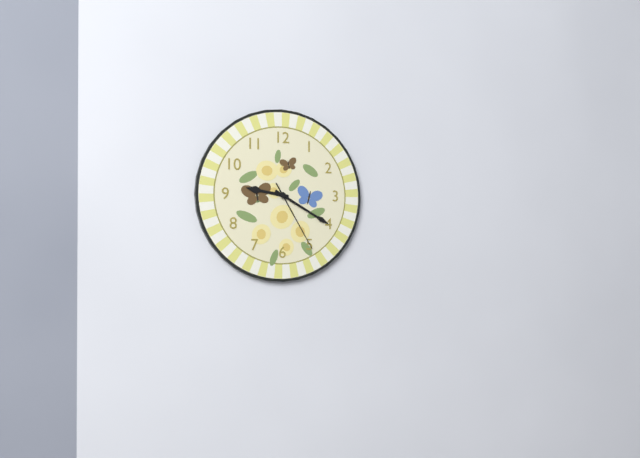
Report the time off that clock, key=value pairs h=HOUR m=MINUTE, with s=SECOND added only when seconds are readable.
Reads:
h=9 m=20 s=25
